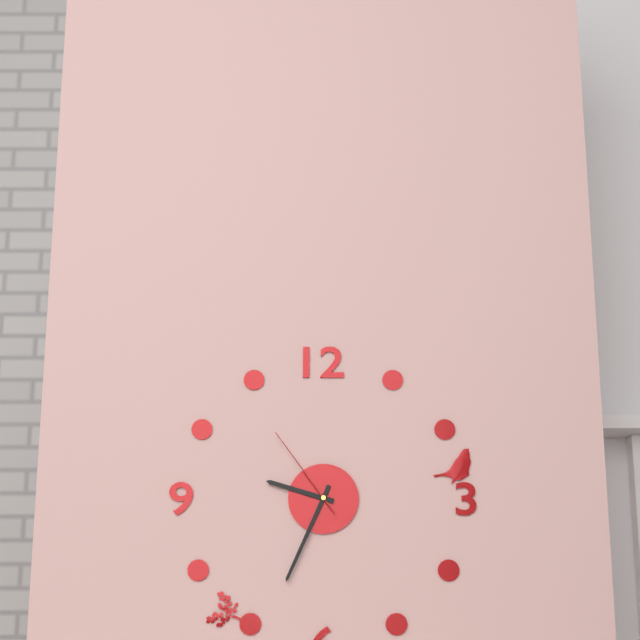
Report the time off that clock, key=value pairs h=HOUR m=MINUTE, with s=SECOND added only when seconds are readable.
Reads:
h=9 m=34 s=54
